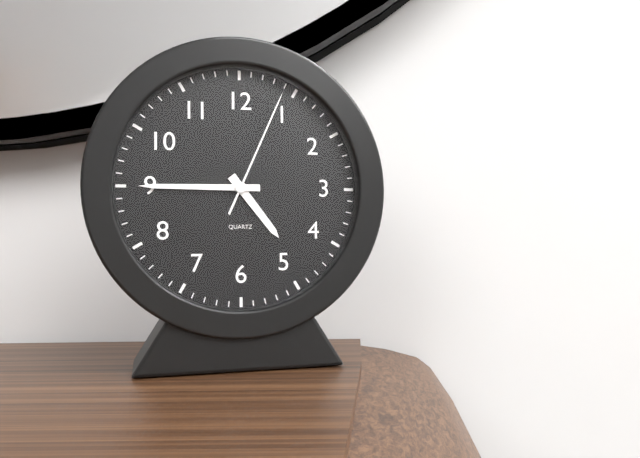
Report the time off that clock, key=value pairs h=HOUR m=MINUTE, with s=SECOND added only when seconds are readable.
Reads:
h=4 m=45 s=4
